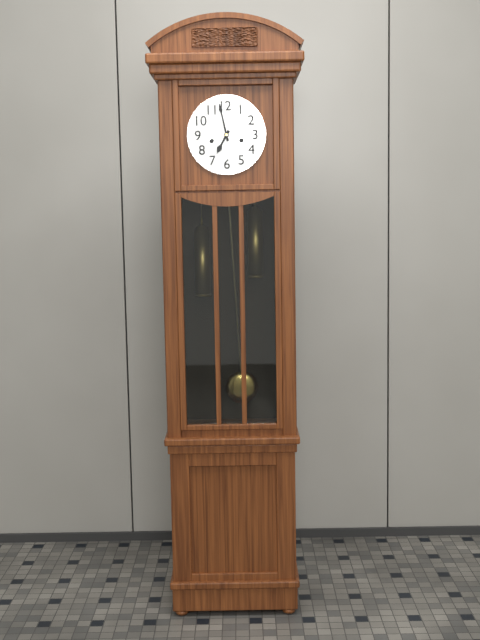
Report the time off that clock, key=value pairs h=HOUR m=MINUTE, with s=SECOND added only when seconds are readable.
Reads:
h=6 m=58
